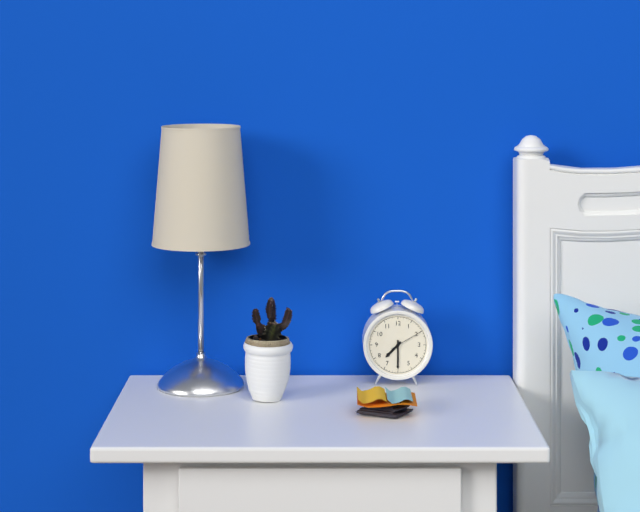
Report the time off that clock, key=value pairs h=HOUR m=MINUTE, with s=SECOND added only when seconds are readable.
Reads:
h=7 m=30
